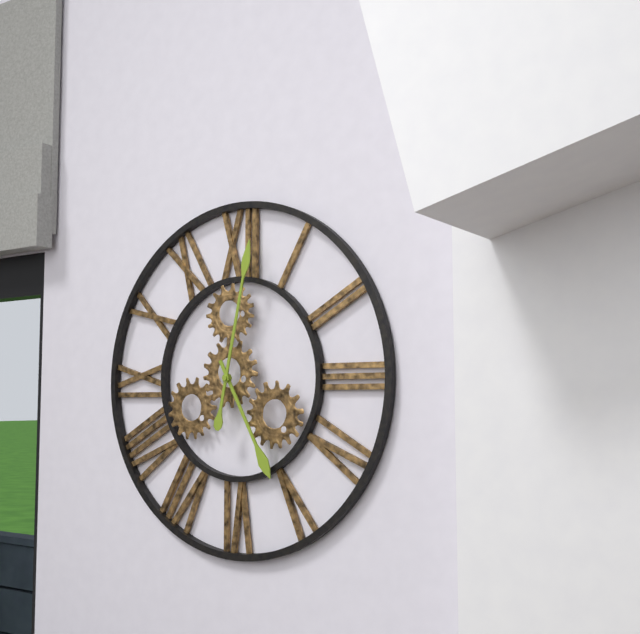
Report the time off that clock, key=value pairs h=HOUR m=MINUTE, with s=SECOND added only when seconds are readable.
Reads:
h=5 m=2
